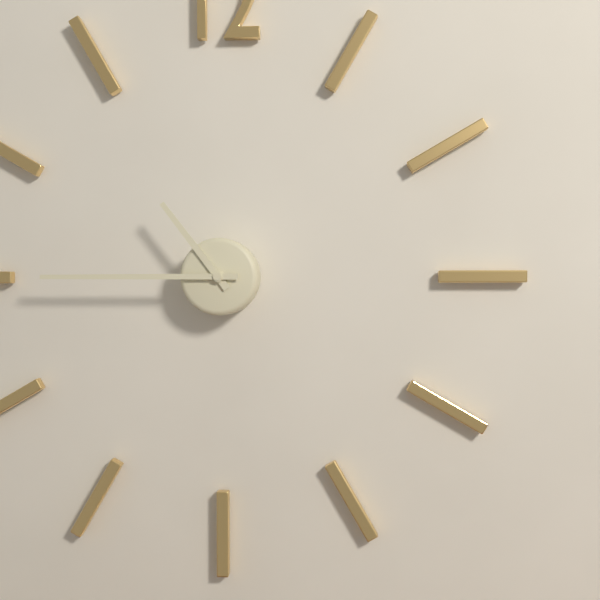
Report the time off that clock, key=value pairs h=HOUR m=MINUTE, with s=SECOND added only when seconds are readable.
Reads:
h=10 m=45
